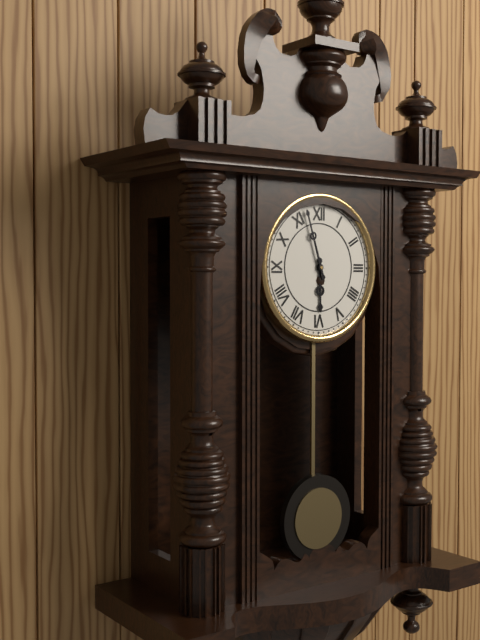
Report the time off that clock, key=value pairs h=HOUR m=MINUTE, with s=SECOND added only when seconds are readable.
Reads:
h=5 m=57
